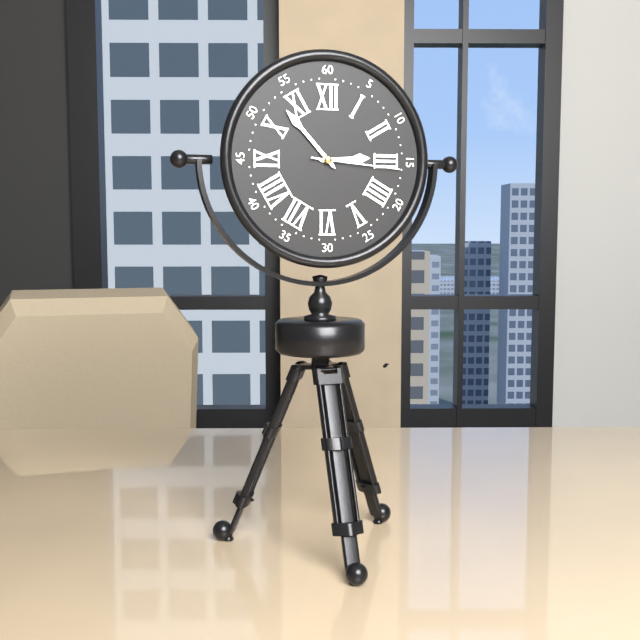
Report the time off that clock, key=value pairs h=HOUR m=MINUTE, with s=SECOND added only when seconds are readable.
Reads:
h=2 m=53 s=16
